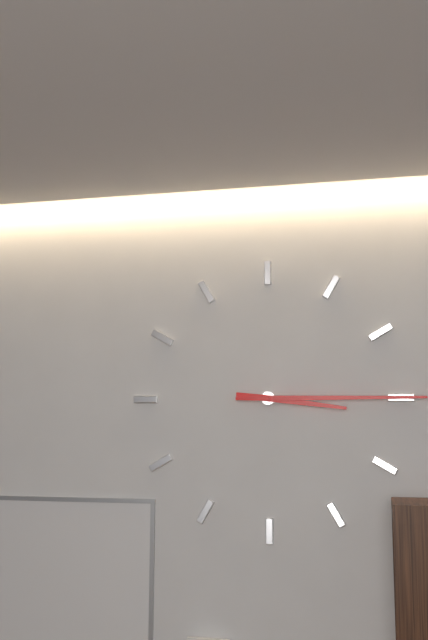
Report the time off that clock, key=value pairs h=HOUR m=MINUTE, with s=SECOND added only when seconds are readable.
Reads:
h=3 m=15
